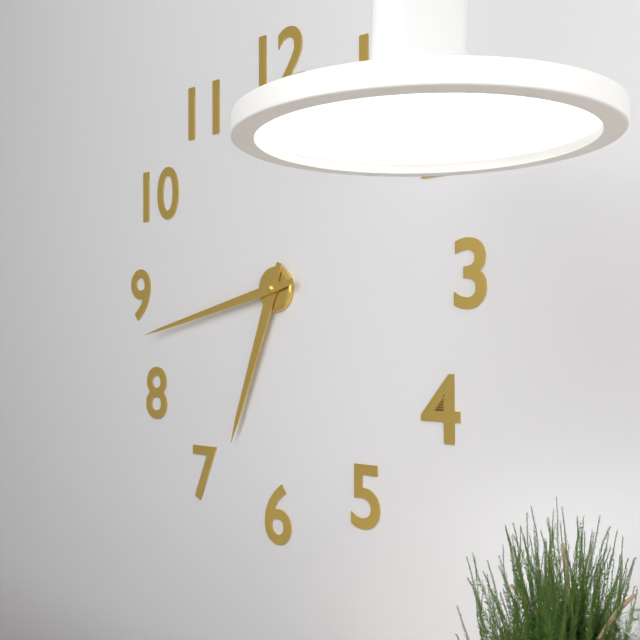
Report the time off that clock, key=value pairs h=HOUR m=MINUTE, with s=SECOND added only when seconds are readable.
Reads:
h=6 m=43
